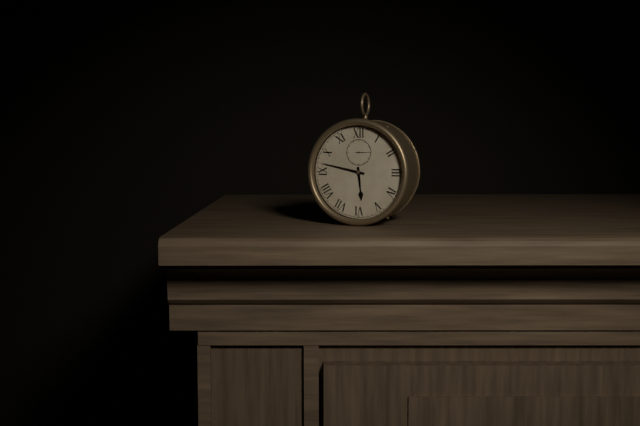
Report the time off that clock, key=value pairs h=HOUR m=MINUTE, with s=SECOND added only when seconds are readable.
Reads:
h=5 m=47
